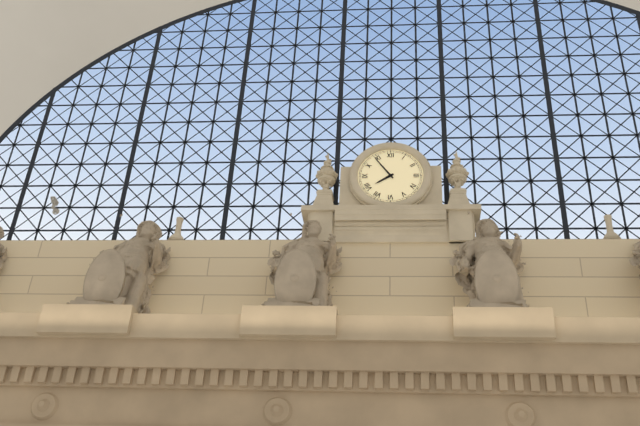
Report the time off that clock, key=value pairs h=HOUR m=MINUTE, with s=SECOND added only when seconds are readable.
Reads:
h=7 m=54
